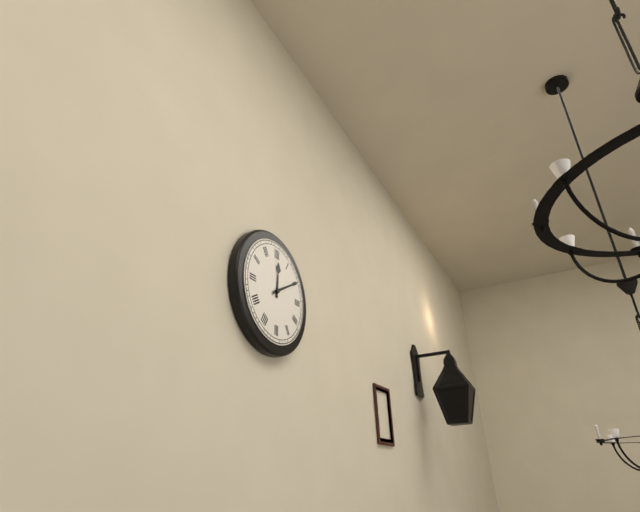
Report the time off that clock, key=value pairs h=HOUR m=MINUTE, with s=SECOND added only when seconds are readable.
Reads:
h=12 m=10
